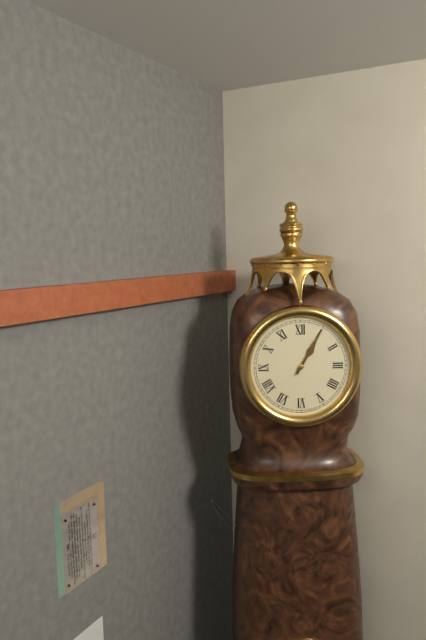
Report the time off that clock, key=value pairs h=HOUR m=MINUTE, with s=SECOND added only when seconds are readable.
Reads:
h=1 m=5
